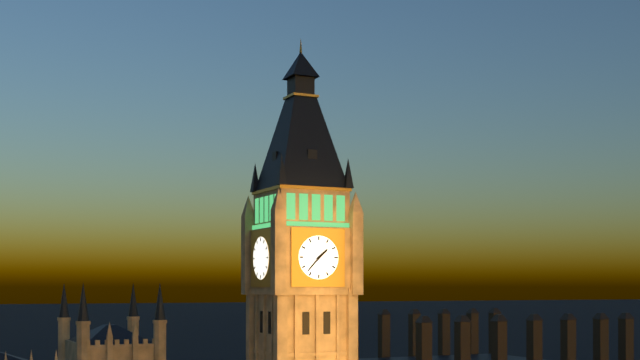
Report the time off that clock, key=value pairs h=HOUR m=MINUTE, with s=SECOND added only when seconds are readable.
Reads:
h=1 m=37
